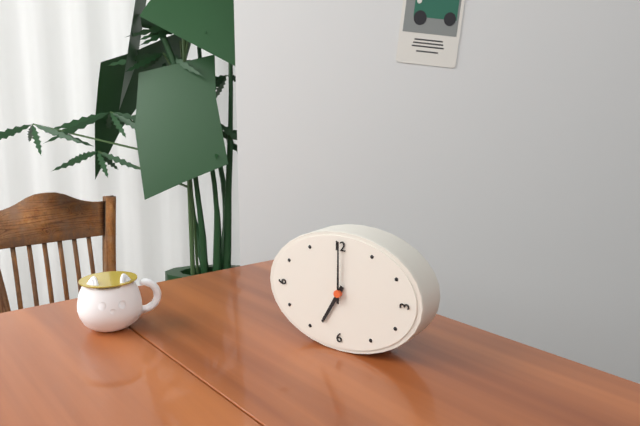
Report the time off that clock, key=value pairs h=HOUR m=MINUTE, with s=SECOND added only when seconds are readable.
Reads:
h=7 m=0
